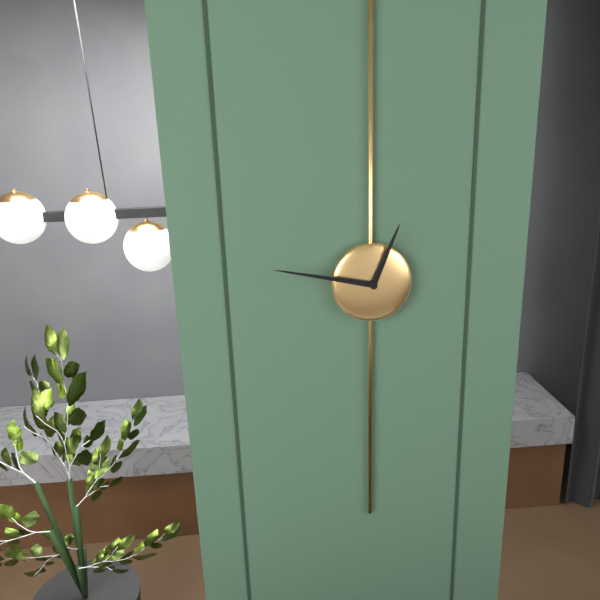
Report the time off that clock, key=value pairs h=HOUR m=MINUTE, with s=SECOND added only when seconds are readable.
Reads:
h=12 m=47
